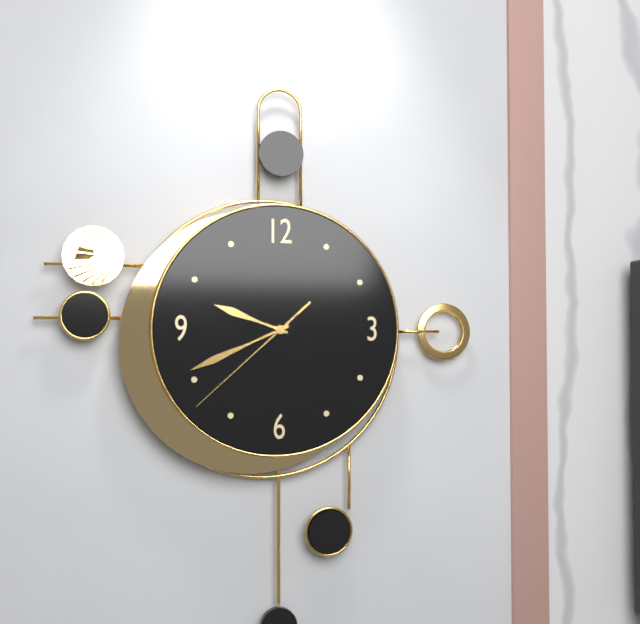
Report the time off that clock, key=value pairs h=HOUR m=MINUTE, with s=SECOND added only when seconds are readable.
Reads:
h=9 m=41 s=38
